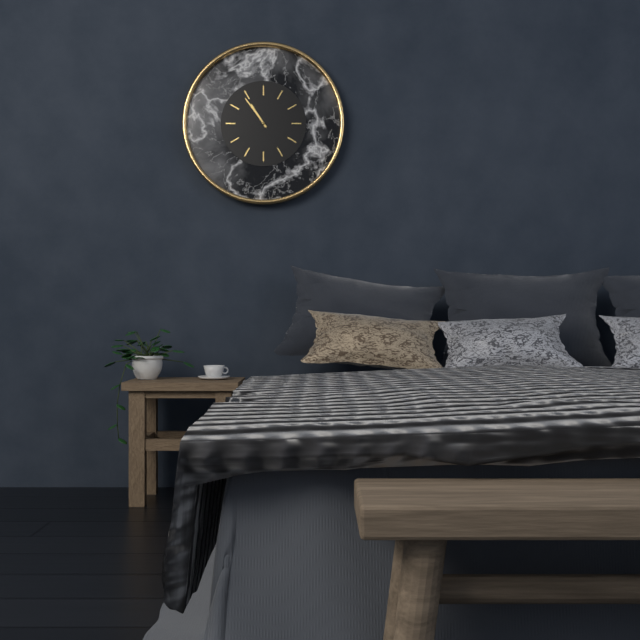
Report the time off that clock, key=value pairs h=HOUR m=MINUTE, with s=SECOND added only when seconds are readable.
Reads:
h=10 m=54
